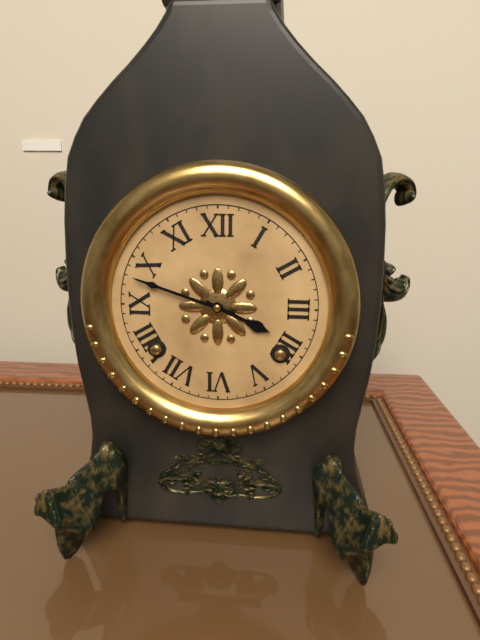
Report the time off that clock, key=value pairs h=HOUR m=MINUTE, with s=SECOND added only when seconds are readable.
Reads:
h=3 m=48
